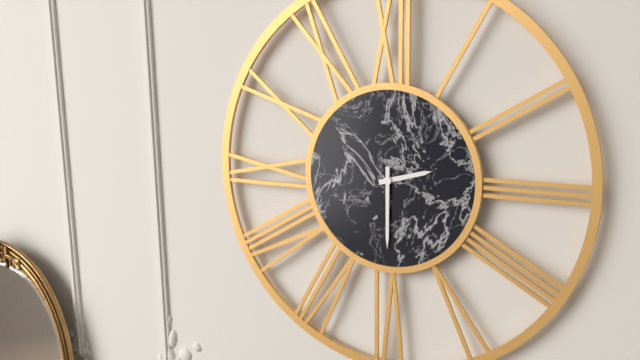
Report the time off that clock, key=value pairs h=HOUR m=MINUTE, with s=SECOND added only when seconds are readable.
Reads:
h=2 m=30
